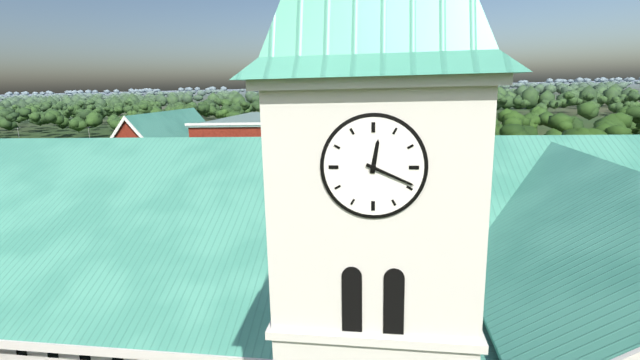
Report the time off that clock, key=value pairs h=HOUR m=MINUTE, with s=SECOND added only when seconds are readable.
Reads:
h=12 m=19
